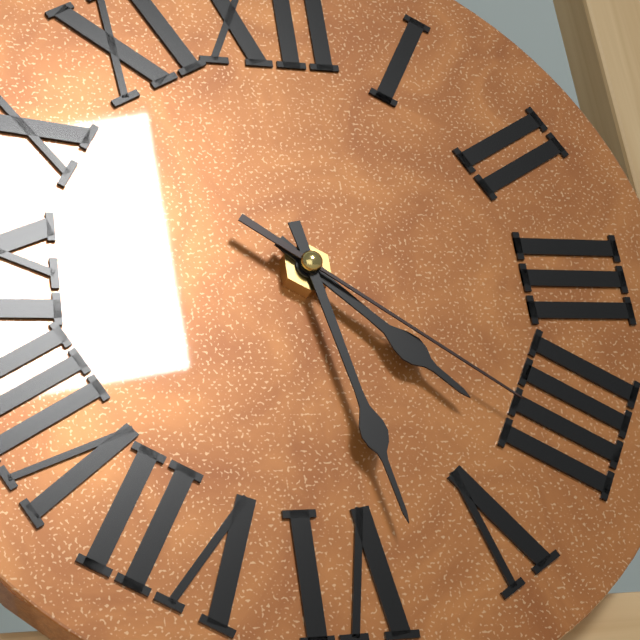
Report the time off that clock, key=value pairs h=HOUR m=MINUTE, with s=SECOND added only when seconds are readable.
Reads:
h=4 m=28 s=21
